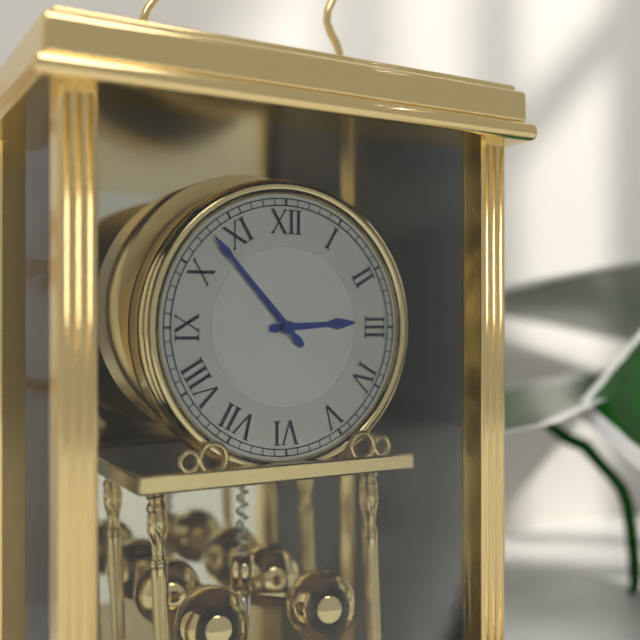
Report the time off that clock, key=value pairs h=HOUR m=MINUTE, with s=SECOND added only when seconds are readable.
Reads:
h=2 m=53
